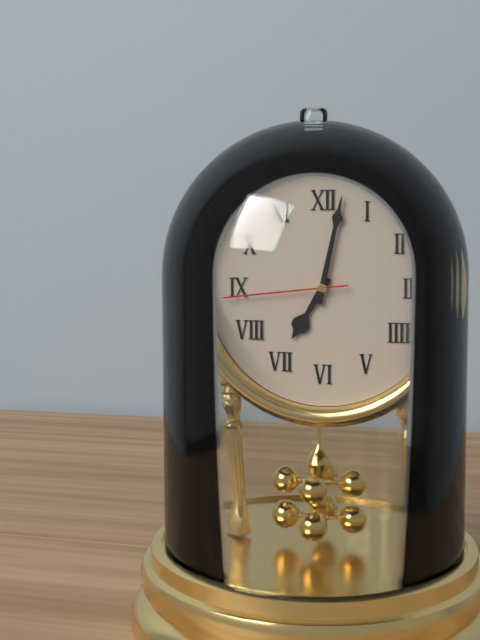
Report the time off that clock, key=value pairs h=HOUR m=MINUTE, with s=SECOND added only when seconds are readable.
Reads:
h=7 m=2 s=44
